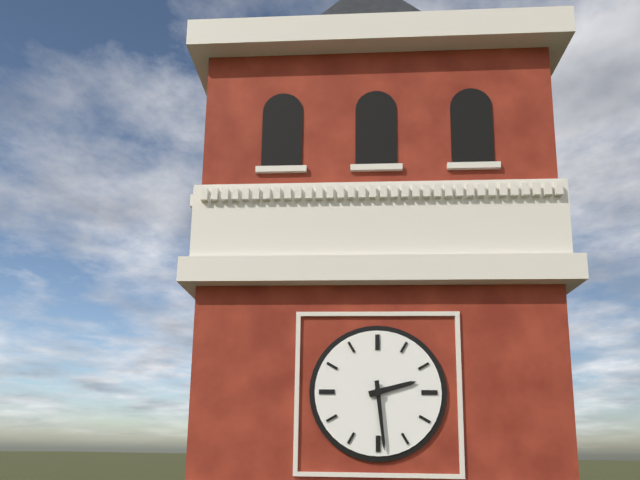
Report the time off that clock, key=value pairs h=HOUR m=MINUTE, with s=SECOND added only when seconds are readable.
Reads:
h=2 m=29
